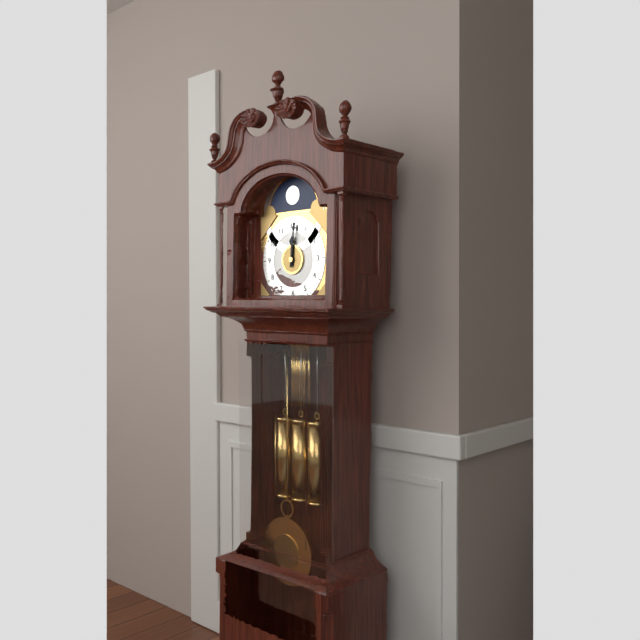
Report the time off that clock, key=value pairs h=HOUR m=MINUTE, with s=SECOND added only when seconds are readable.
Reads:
h=12 m=1
